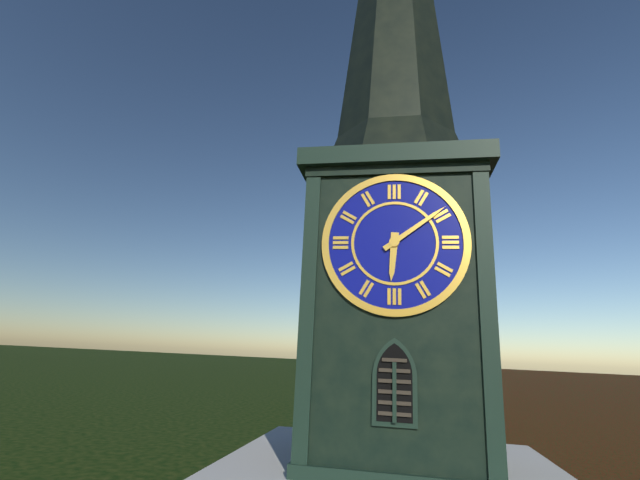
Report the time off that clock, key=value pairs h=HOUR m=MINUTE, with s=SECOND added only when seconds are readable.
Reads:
h=6 m=9
